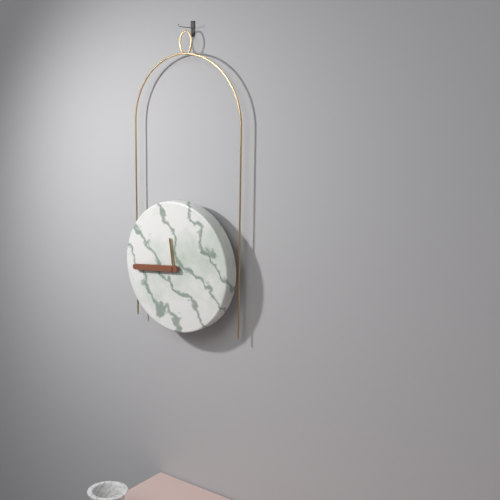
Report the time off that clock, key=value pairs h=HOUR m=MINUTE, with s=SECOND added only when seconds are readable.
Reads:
h=11 m=44
